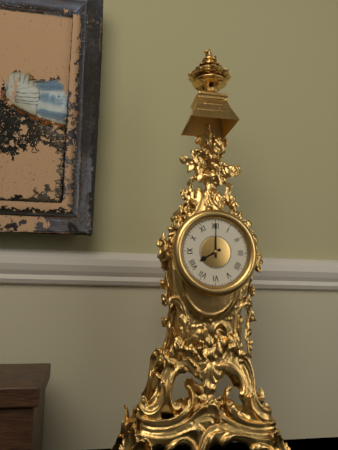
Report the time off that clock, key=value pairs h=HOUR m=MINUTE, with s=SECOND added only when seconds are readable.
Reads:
h=8 m=0
